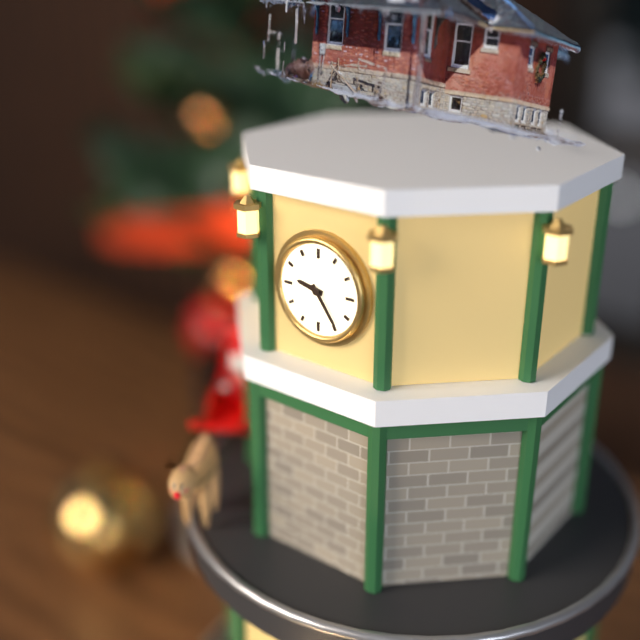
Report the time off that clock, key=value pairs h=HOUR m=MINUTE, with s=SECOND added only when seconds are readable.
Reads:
h=9 m=24
